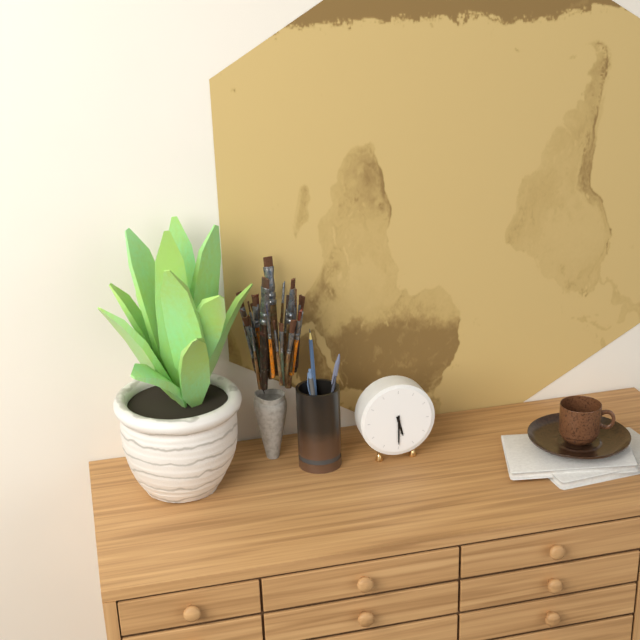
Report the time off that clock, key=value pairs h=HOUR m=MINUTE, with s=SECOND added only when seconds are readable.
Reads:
h=5 m=30
